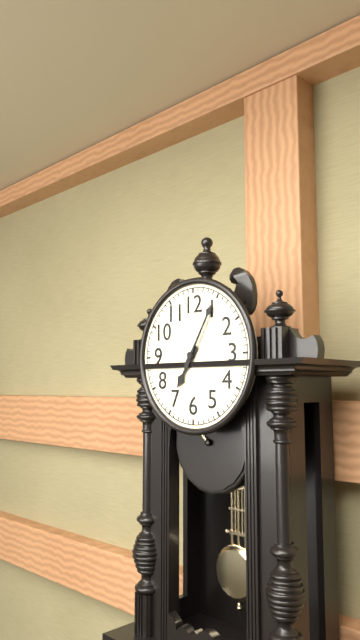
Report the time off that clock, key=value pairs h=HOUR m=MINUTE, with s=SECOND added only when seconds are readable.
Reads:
h=7 m=5
